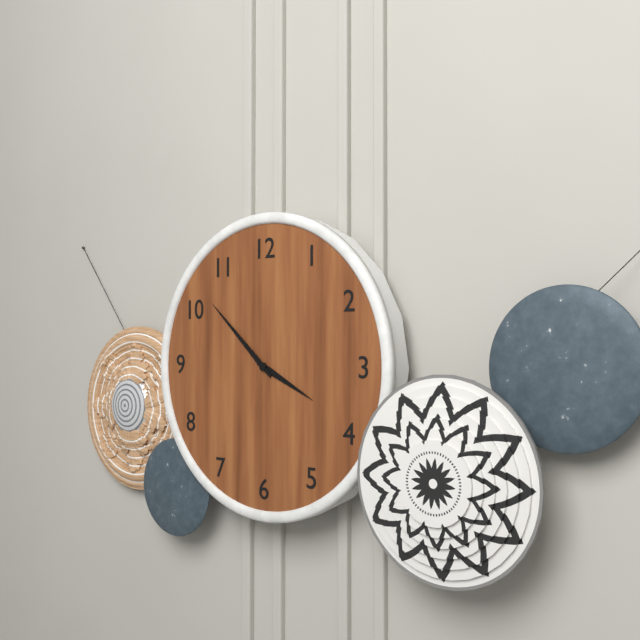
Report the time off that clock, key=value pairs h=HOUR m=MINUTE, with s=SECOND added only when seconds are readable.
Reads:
h=3 m=52
